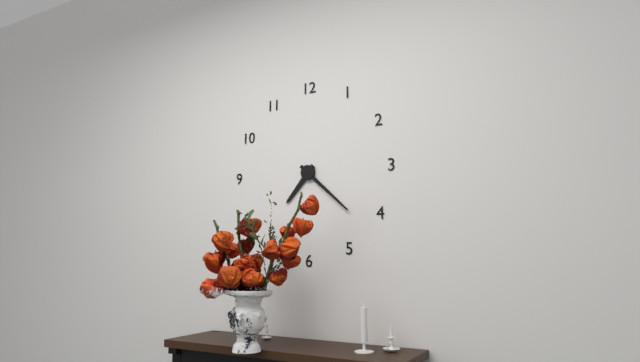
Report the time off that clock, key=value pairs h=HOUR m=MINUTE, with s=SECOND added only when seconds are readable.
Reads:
h=7 m=22
